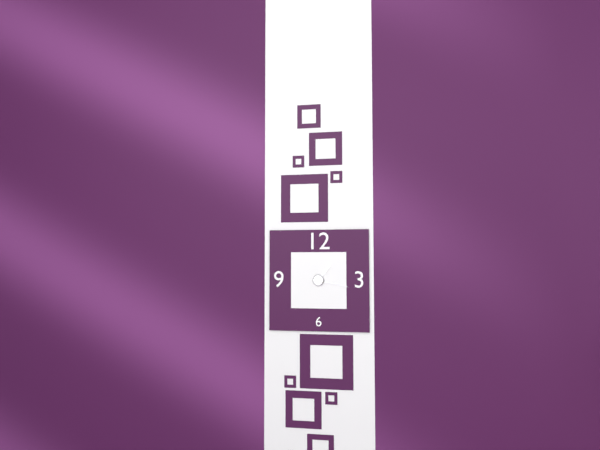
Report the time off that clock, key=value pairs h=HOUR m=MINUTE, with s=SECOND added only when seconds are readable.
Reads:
h=1 m=17
